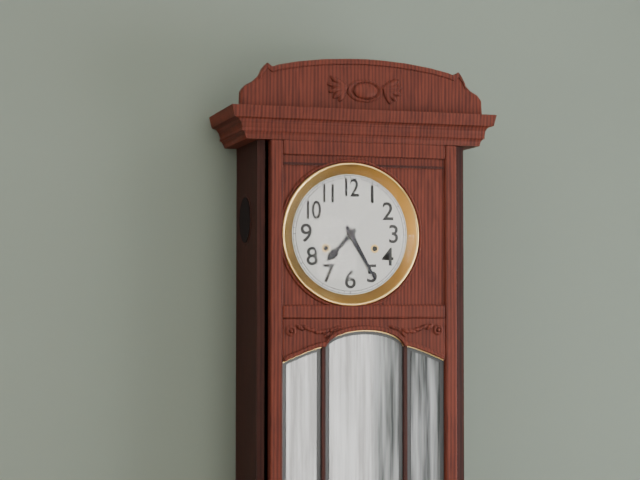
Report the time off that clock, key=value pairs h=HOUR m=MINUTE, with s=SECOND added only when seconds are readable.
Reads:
h=7 m=25
